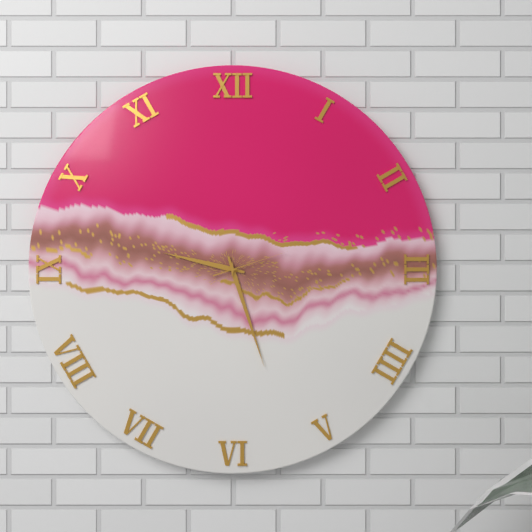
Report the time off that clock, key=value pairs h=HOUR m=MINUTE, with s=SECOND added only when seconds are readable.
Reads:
h=9 m=27 s=12
